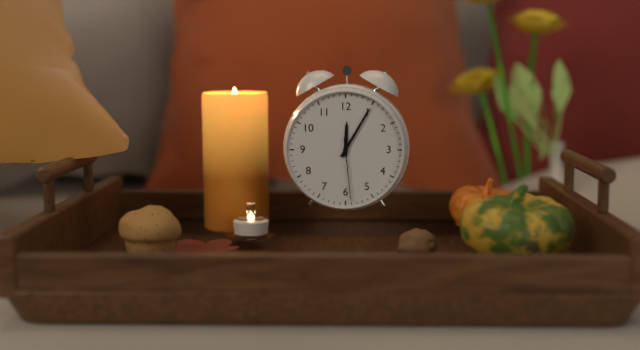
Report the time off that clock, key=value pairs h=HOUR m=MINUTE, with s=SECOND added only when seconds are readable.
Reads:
h=12 m=5 s=29
